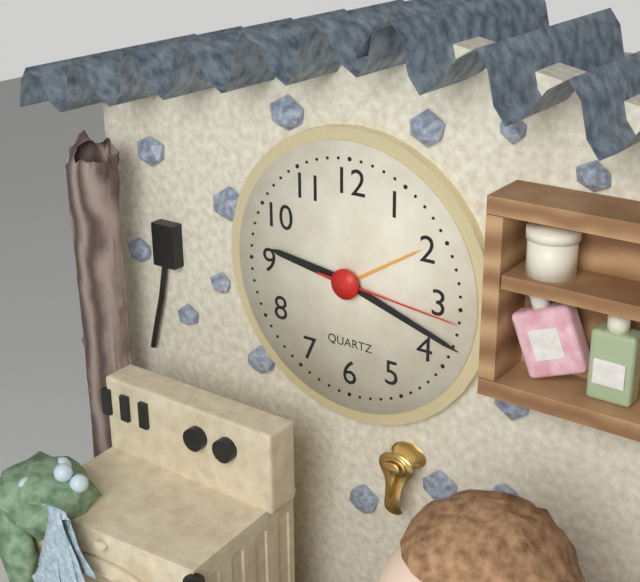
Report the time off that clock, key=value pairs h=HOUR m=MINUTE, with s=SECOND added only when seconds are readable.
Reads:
h=9 m=18 s=16
